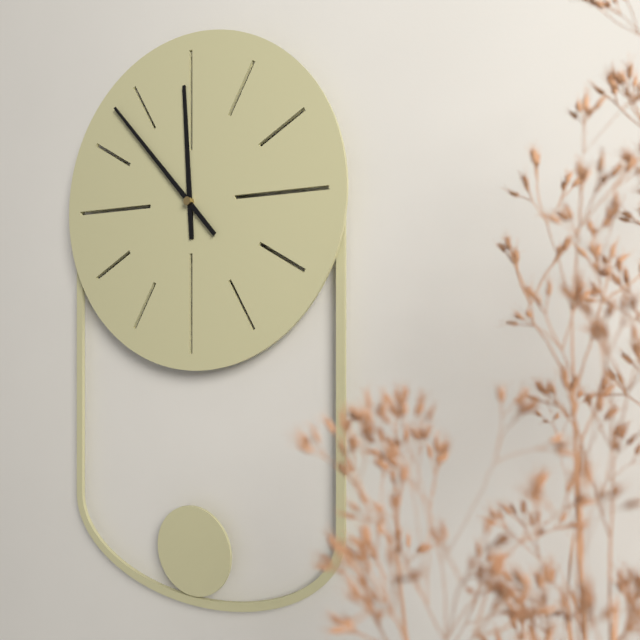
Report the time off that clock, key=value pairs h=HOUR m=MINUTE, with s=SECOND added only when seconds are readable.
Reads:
h=11 m=53
